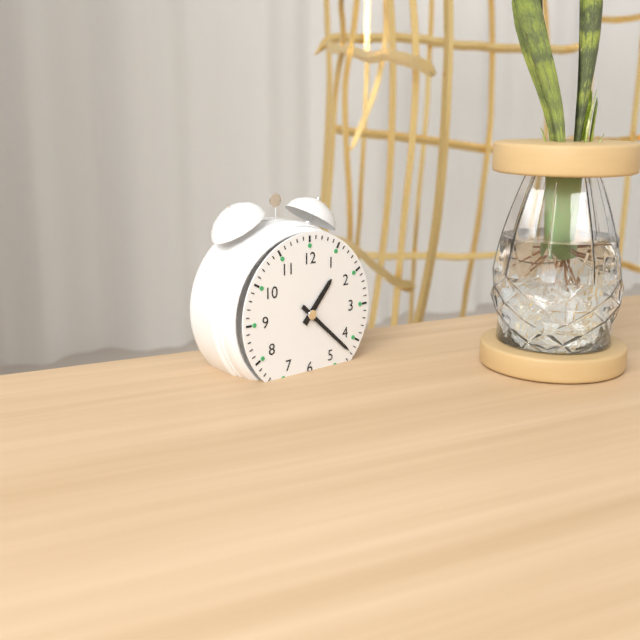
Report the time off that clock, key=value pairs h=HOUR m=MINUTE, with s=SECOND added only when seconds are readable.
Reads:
h=1 m=22
